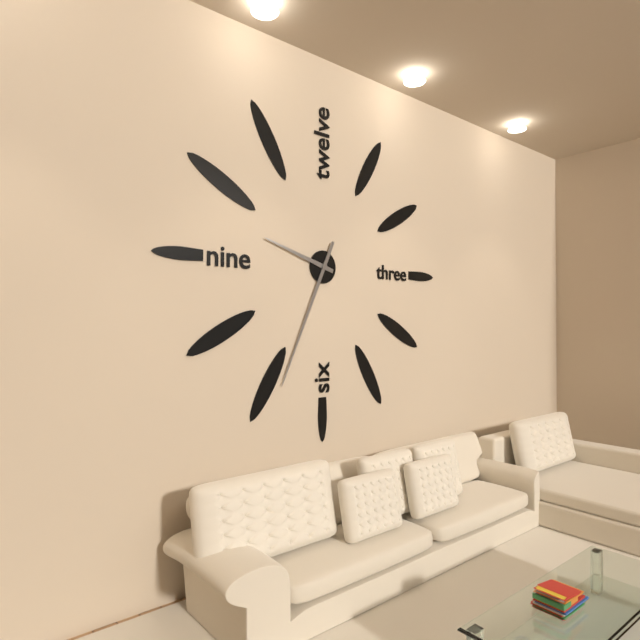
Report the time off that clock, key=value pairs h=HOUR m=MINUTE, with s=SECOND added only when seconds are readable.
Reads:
h=9 m=34
